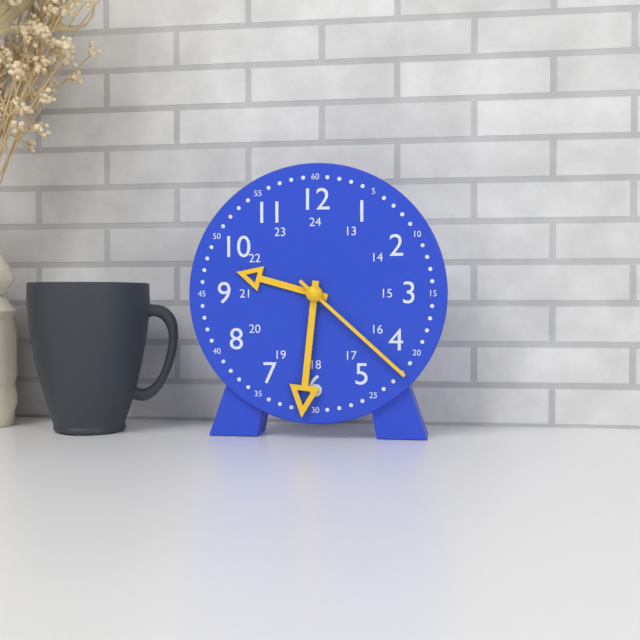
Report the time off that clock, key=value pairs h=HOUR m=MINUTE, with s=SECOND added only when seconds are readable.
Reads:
h=9 m=31 s=22
